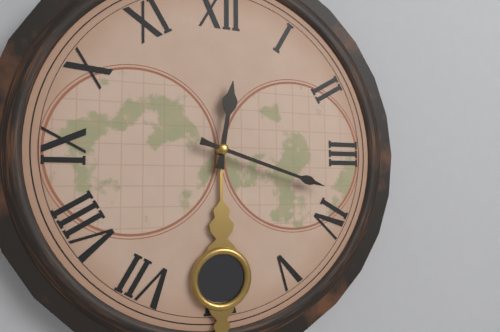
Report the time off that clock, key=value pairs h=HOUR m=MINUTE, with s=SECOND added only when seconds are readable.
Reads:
h=12 m=18
